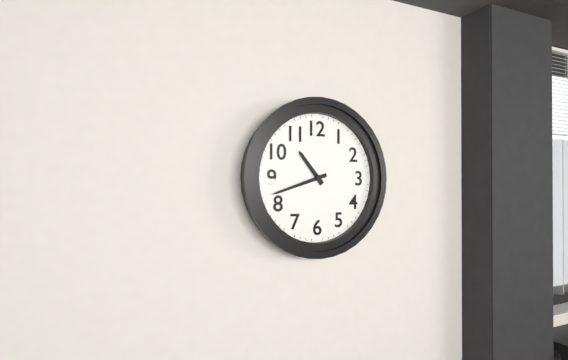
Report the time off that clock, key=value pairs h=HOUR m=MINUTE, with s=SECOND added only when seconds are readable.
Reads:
h=10 m=42
